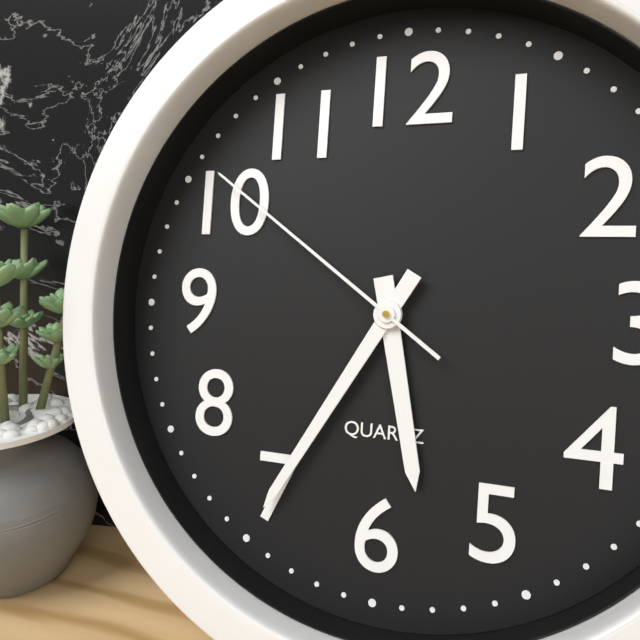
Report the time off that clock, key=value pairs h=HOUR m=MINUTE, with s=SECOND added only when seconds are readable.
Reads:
h=5 m=35 s=51
